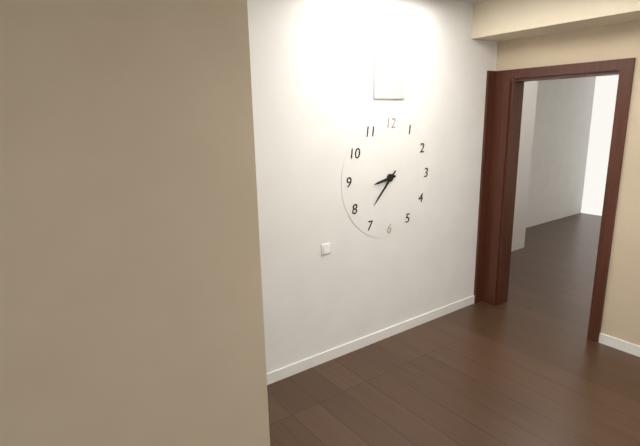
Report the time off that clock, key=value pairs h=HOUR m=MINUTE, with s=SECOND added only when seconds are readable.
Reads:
h=8 m=37
